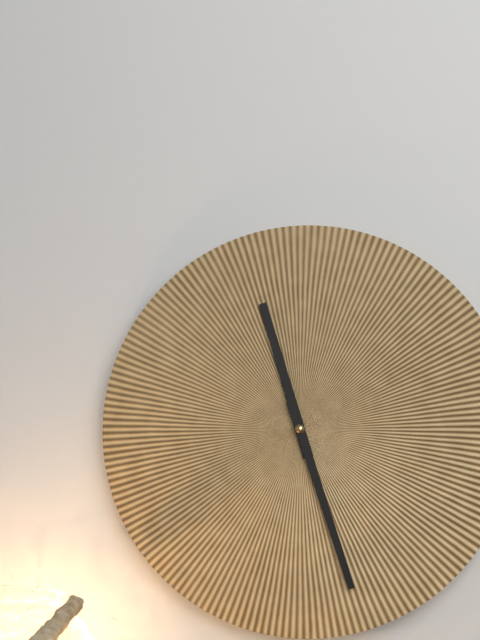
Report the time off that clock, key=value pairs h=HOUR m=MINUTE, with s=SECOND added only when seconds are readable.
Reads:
h=11 m=27
